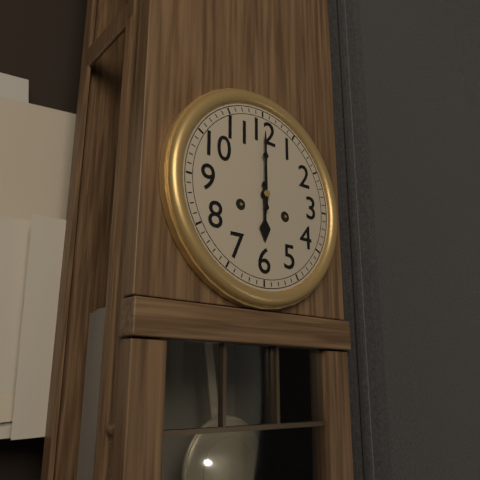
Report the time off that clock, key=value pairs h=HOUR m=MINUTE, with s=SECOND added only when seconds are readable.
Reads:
h=6 m=0
